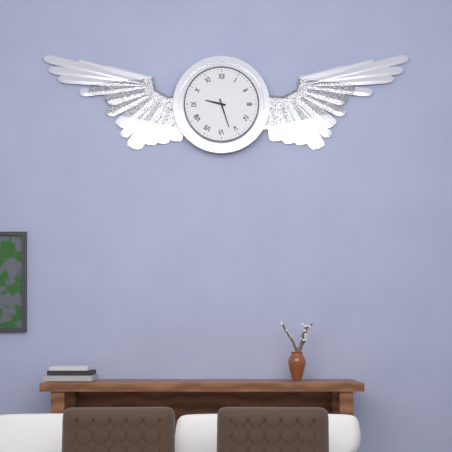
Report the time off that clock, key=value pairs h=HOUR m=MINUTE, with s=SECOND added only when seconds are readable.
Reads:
h=9 m=27
